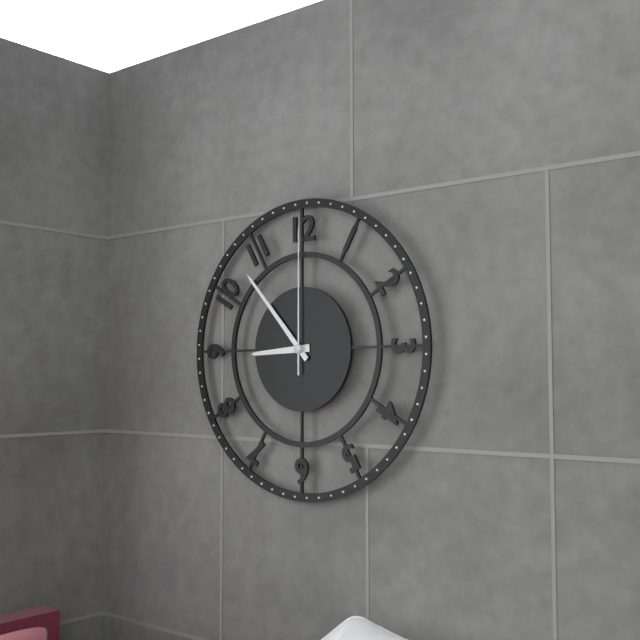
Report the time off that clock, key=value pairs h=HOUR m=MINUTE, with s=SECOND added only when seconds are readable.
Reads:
h=8 m=53 s=0
